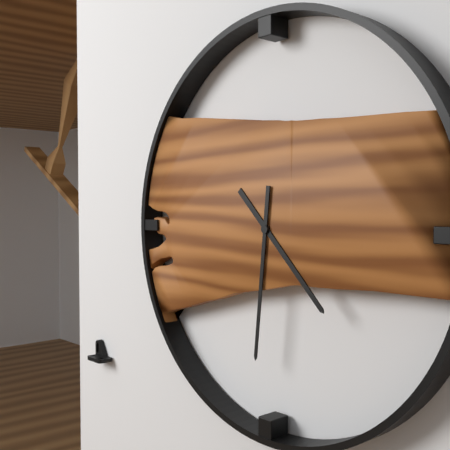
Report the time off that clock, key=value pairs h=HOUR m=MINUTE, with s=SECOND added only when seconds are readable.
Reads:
h=4 m=31
